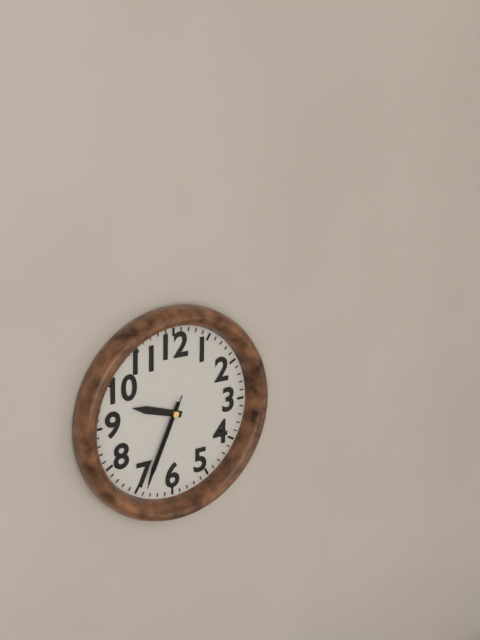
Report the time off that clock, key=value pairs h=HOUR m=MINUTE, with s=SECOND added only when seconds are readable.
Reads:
h=9 m=34 s=34
